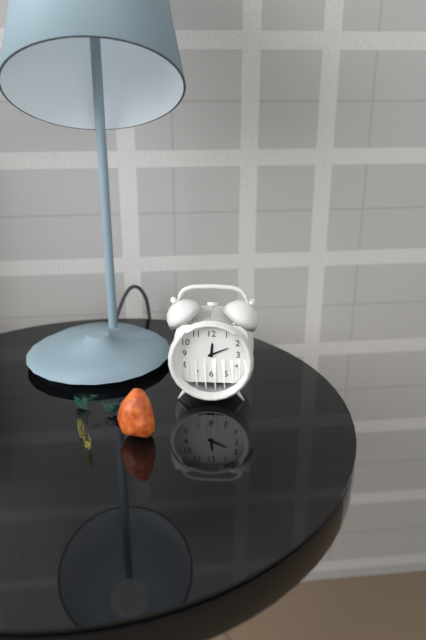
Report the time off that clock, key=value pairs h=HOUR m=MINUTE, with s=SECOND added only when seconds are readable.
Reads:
h=12 m=11
